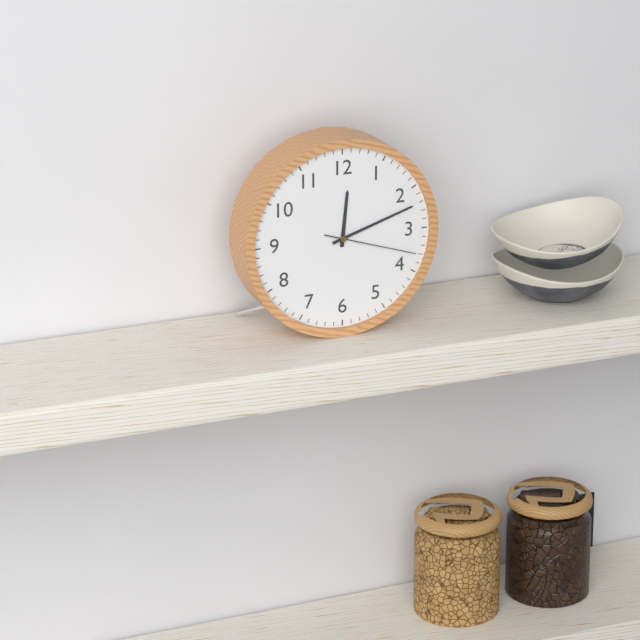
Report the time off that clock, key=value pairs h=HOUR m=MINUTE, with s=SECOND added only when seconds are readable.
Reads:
h=12 m=12 s=18
